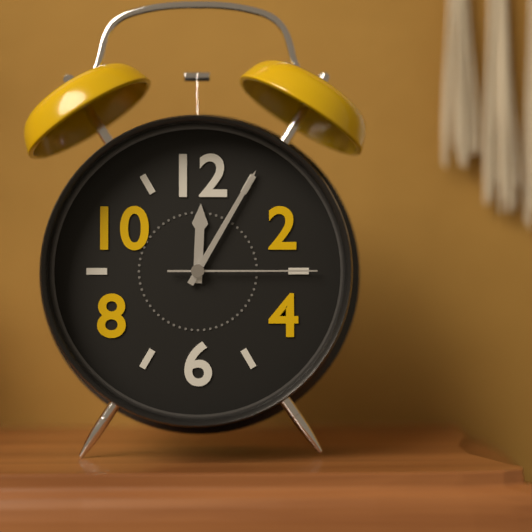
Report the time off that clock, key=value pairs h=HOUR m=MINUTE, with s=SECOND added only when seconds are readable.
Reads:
h=12 m=5 s=15
